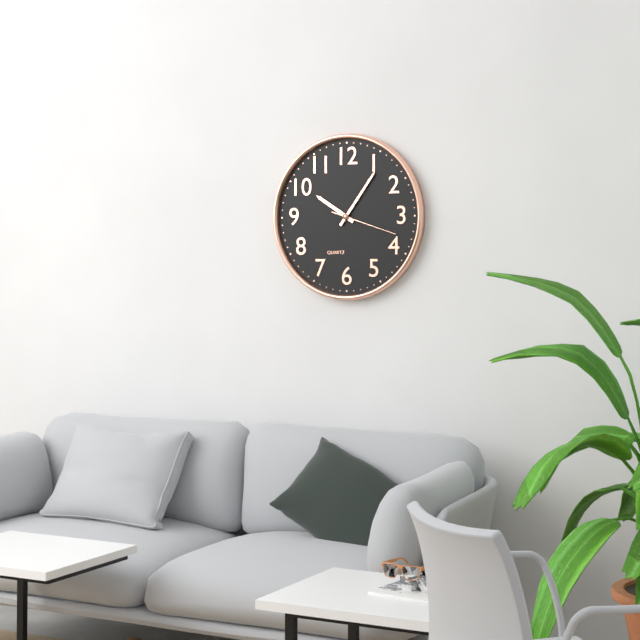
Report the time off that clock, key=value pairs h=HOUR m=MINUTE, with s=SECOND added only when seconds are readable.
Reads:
h=10 m=6 s=18
